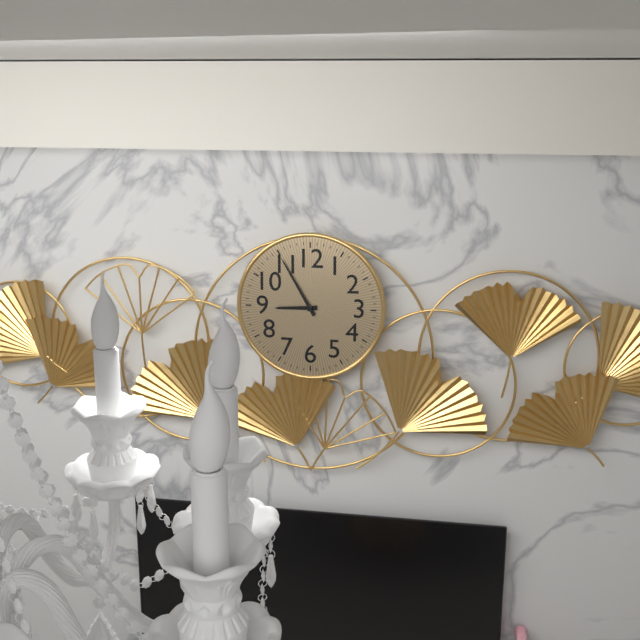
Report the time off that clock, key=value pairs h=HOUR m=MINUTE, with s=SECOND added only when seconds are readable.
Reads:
h=8 m=55
